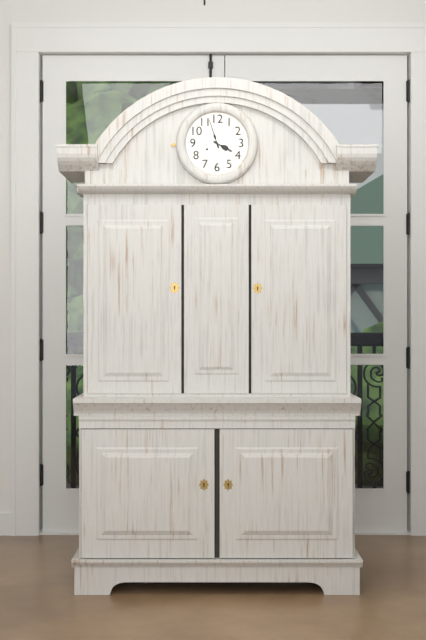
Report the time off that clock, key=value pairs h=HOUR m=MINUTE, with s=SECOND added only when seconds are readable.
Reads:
h=3 m=57
